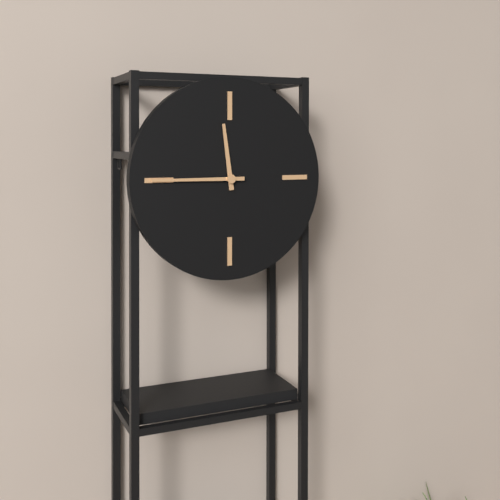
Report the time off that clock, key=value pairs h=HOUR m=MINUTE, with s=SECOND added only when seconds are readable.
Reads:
h=11 m=45
